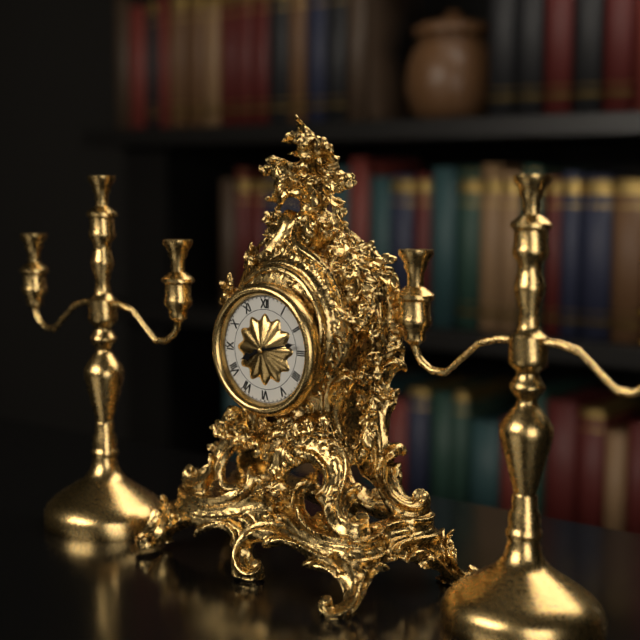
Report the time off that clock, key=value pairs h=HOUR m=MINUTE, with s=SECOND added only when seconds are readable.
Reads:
h=8 m=13
